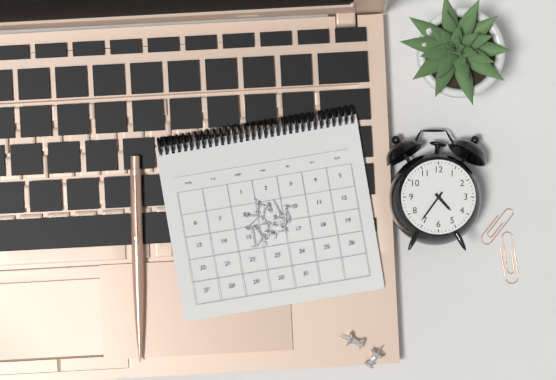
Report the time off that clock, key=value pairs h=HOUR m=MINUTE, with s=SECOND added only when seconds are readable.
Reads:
h=4 m=36
